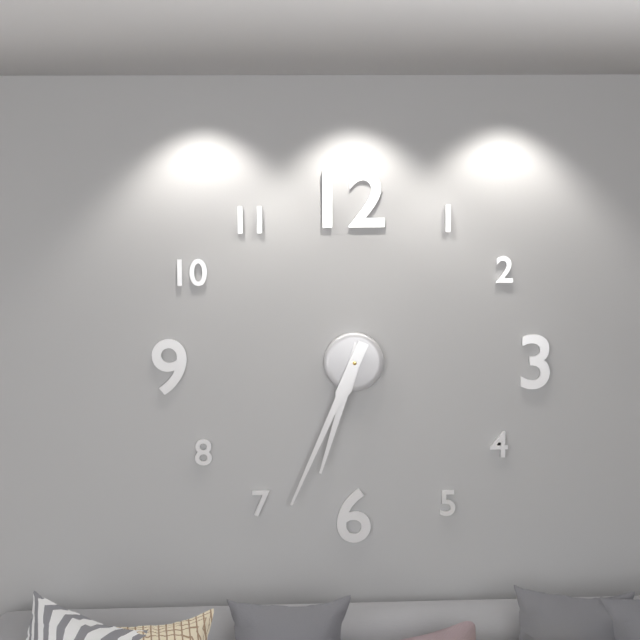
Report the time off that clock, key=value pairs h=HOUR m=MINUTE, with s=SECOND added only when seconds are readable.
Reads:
h=6 m=34
